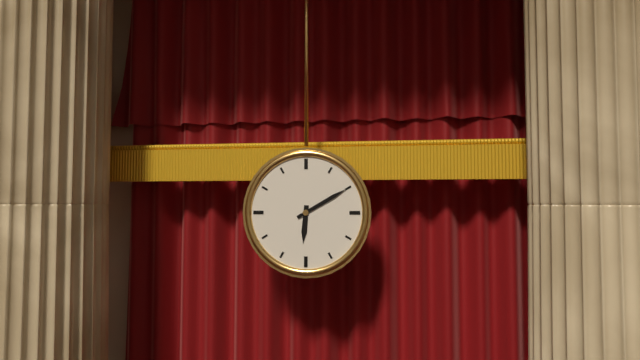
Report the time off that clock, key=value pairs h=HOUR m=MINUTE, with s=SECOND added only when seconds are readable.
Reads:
h=6 m=10
